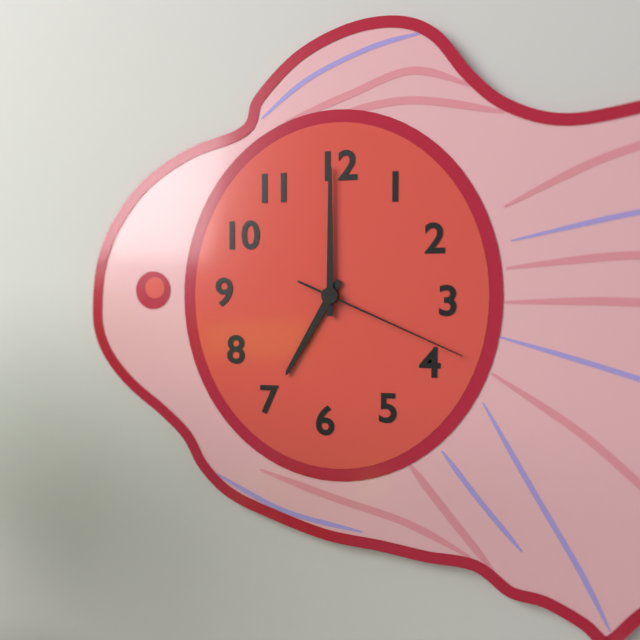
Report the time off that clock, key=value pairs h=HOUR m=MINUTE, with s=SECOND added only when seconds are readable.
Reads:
h=7 m=0 s=19
